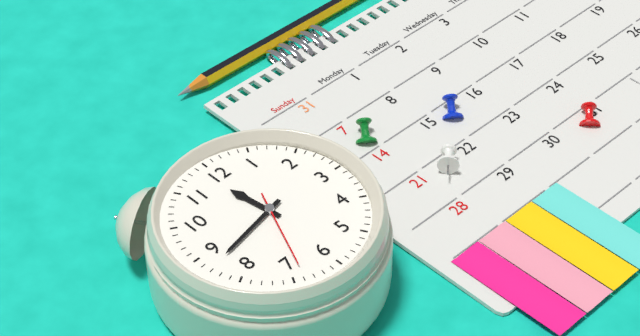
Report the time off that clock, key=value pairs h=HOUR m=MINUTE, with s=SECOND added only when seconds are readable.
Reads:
h=11 m=43 s=34
